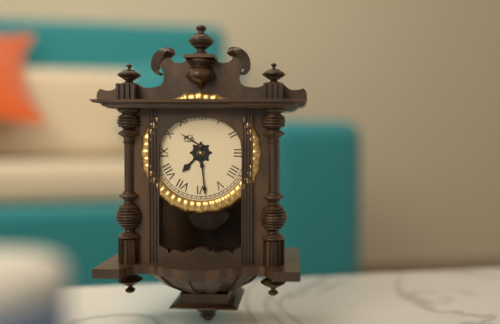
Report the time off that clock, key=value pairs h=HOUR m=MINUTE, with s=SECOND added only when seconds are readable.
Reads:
h=7 m=29
